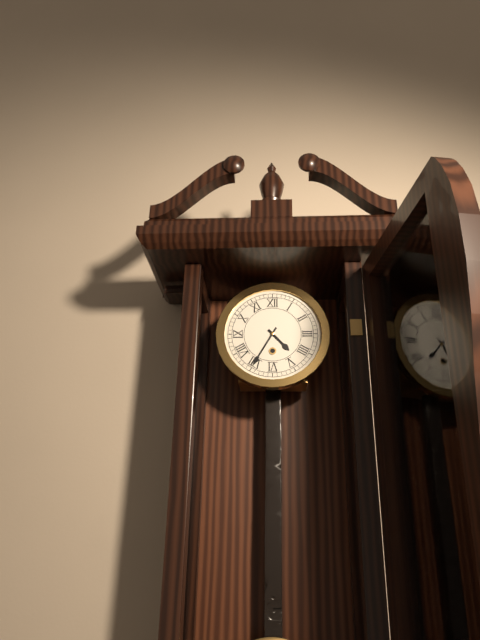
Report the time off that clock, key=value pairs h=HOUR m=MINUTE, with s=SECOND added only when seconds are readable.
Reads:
h=4 m=35
